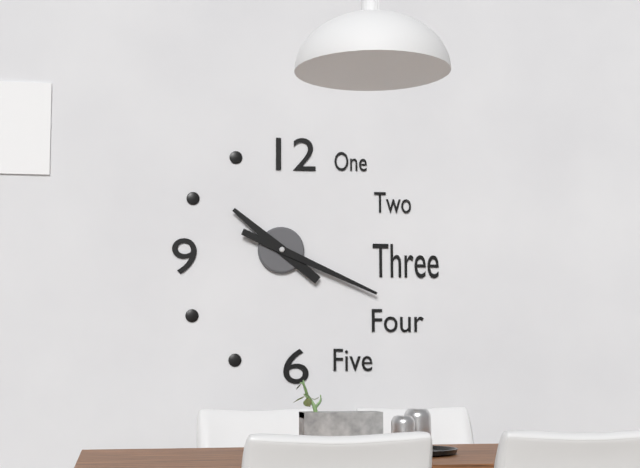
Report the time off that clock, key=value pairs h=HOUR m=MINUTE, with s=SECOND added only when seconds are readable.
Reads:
h=10 m=19
